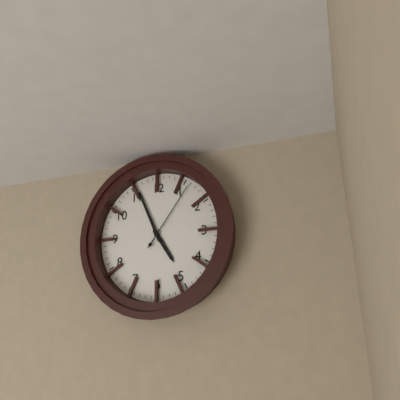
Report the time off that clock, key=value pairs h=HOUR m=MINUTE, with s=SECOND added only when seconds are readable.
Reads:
h=4 m=56 s=6
